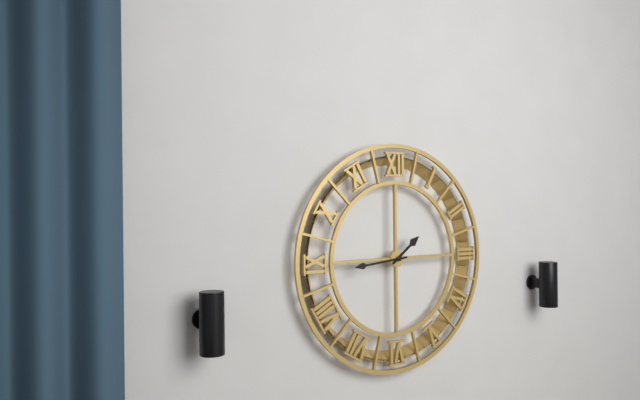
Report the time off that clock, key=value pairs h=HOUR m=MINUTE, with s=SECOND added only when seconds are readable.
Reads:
h=1 m=44
